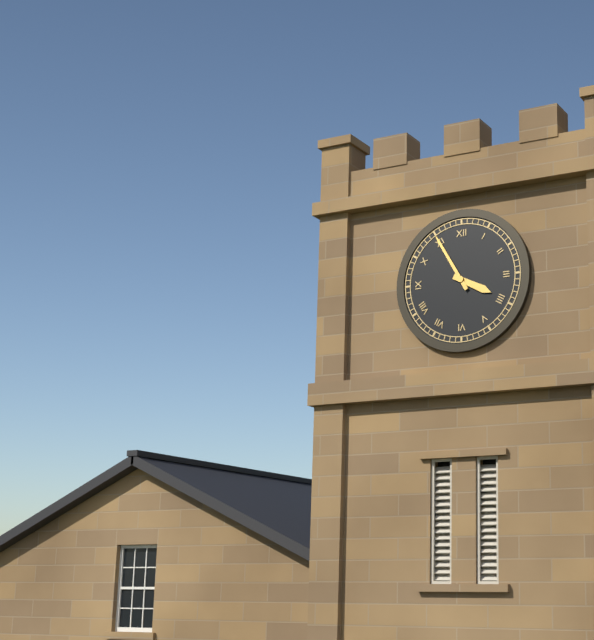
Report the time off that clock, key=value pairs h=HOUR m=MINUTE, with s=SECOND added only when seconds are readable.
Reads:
h=3 m=55
